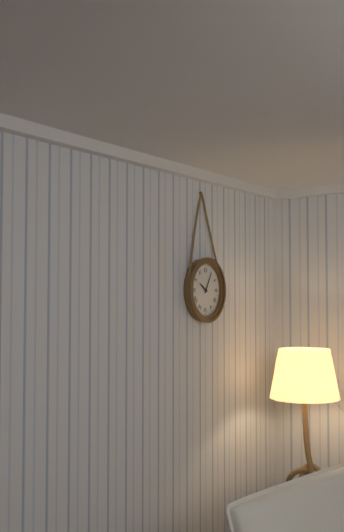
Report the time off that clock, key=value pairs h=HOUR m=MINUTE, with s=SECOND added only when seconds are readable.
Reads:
h=10 m=5
